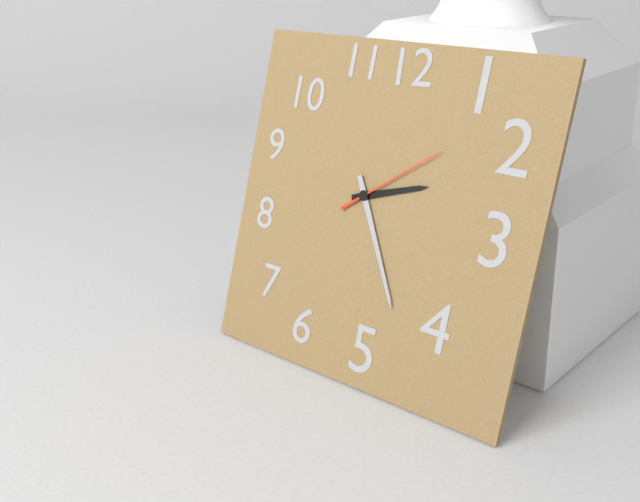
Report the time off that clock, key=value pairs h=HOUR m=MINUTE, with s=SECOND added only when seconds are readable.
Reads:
h=2 m=25 s=9
